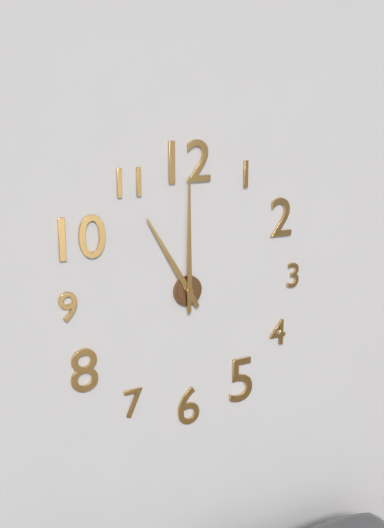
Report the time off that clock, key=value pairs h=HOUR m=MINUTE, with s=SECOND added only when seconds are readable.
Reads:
h=11 m=0
